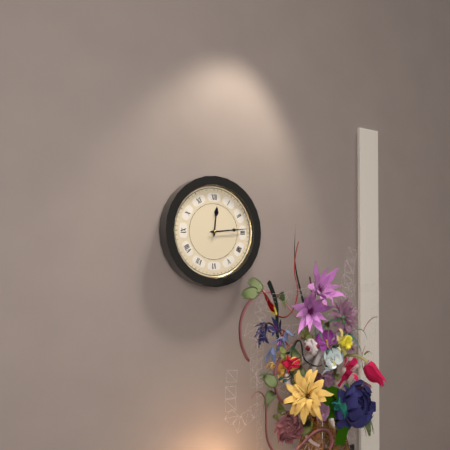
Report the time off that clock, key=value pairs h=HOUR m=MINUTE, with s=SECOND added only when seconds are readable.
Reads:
h=12 m=14
